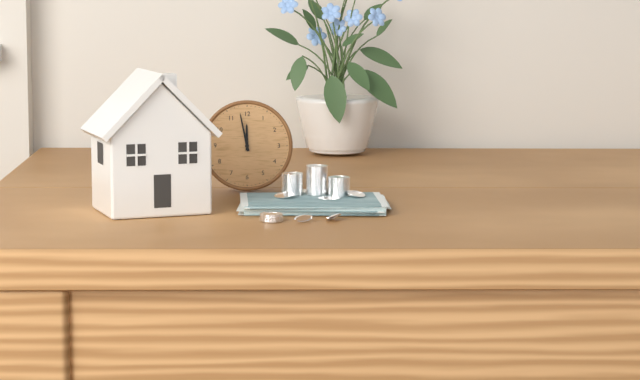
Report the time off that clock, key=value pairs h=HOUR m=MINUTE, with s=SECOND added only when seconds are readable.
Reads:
h=11 m=58
